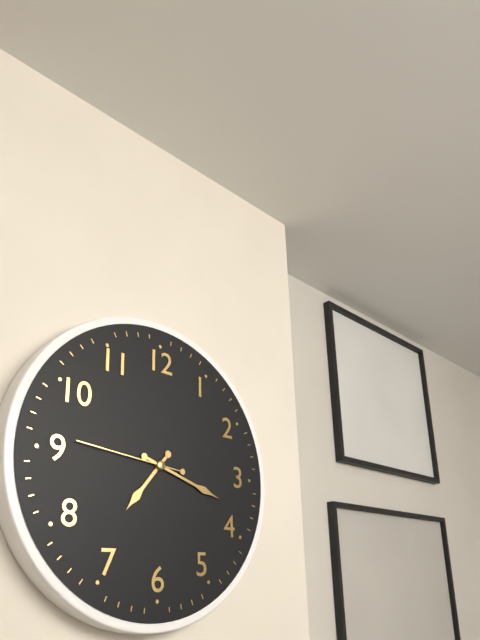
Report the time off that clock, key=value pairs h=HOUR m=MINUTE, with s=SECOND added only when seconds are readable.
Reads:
h=7 m=18 s=46
